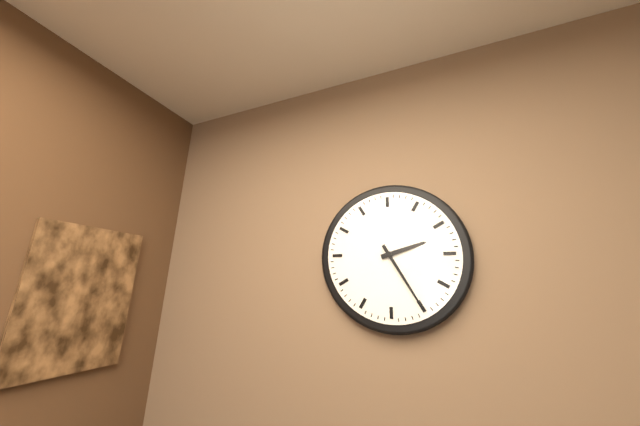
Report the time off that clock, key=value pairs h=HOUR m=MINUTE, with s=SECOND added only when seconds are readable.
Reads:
h=2 m=25
